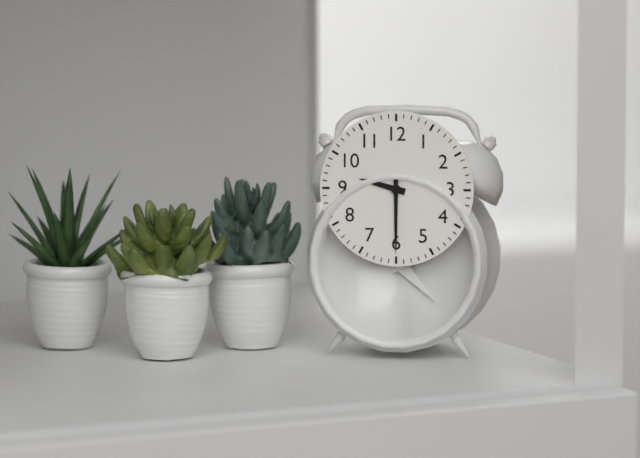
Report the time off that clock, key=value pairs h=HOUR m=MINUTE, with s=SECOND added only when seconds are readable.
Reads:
h=9 m=30
